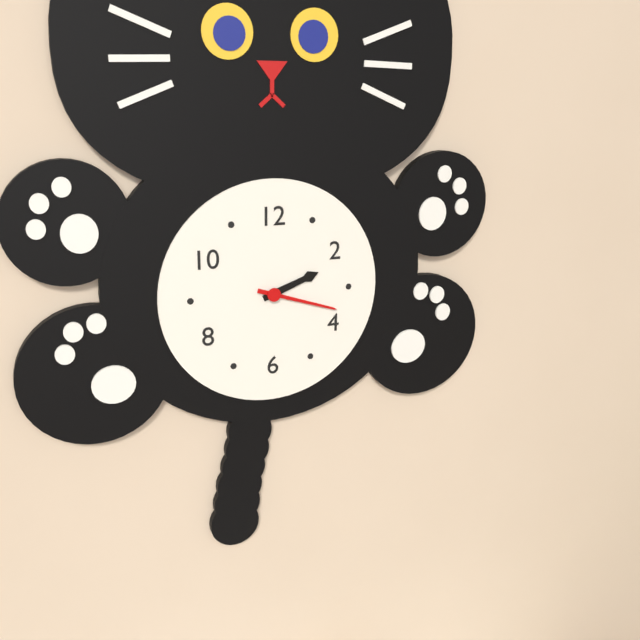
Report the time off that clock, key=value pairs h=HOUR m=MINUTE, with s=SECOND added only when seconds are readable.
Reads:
h=2 m=18
